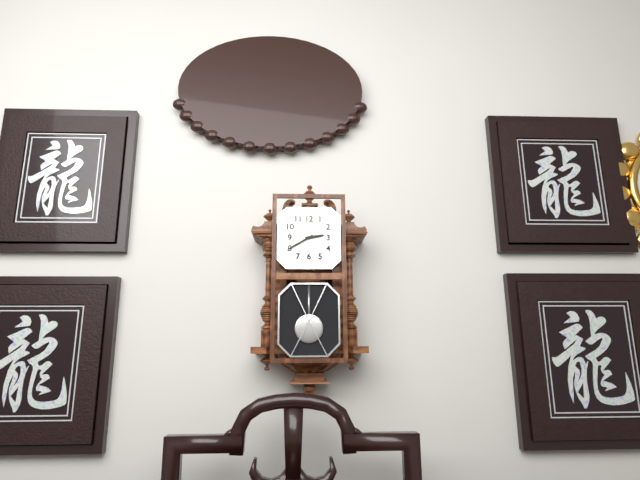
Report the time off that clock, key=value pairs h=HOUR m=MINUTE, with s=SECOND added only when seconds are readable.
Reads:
h=2 m=40
